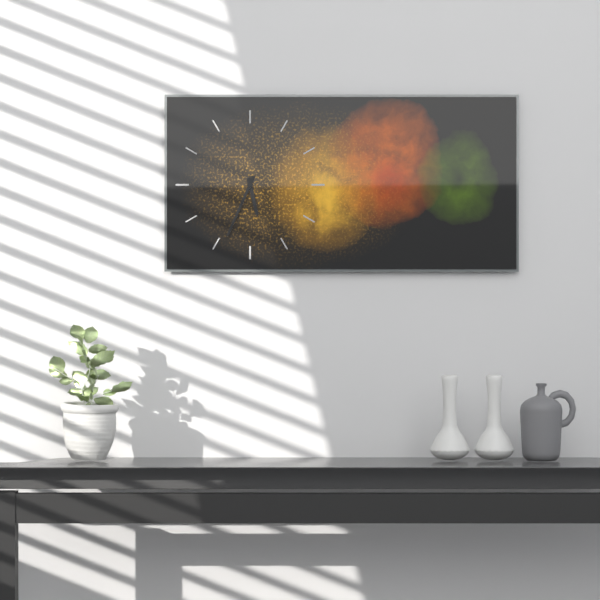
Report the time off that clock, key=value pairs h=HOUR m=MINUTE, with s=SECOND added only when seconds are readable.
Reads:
h=5 m=34
